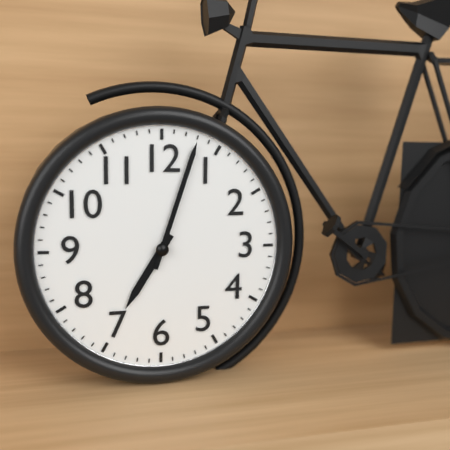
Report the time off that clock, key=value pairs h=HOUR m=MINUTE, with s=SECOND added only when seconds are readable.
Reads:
h=7 m=3
